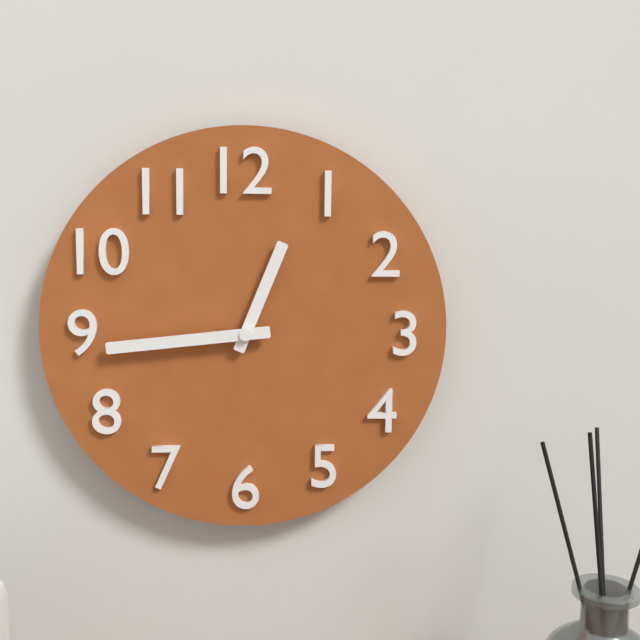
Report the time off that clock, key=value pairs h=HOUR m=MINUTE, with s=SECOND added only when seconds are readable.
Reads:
h=12 m=44
